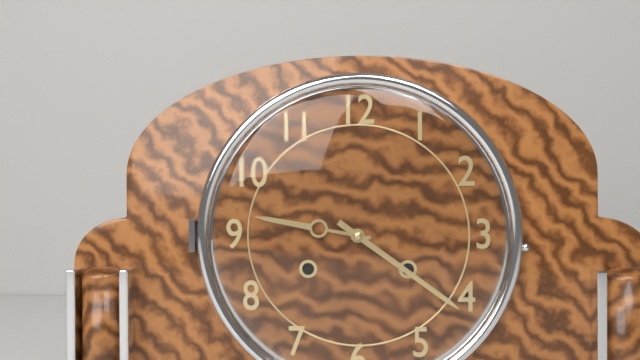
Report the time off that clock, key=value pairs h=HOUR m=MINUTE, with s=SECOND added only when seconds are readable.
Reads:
h=9 m=21
